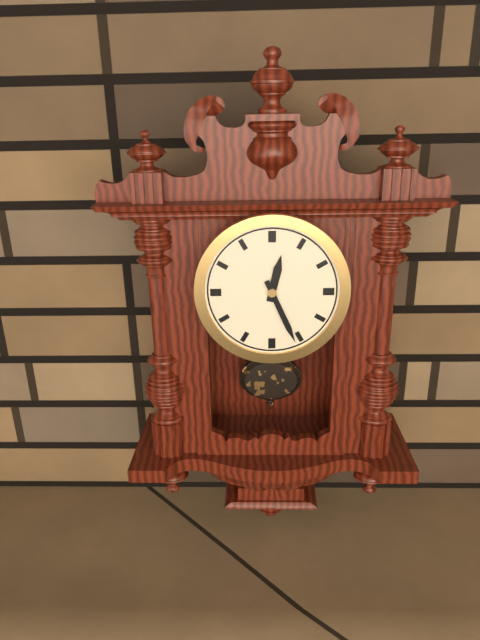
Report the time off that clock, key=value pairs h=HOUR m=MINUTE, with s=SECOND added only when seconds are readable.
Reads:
h=12 m=26
